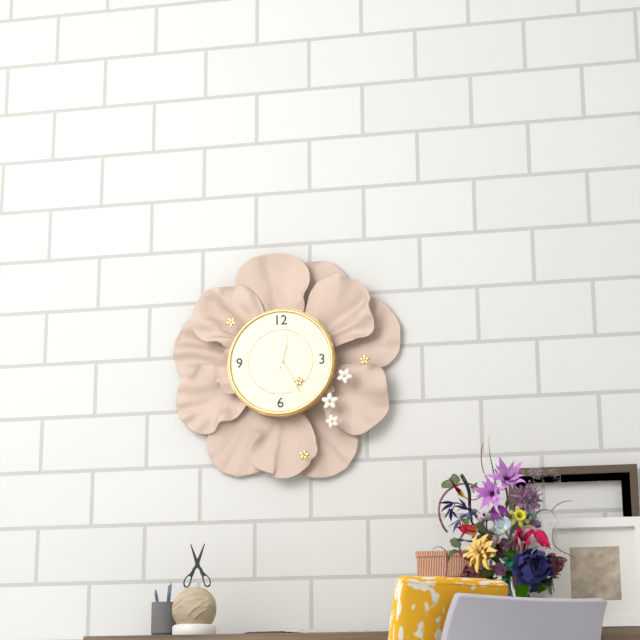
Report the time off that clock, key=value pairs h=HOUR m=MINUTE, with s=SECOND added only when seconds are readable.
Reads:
h=12 m=25
